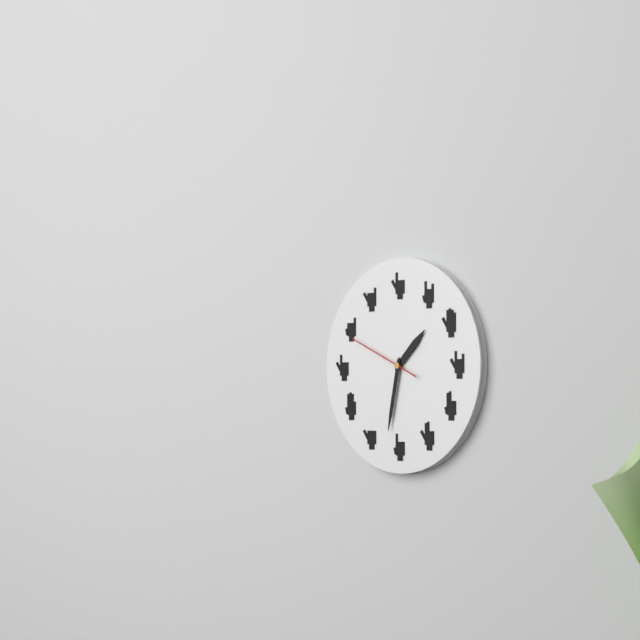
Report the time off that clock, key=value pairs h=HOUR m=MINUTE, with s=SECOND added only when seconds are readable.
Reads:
h=1 m=32 s=49
